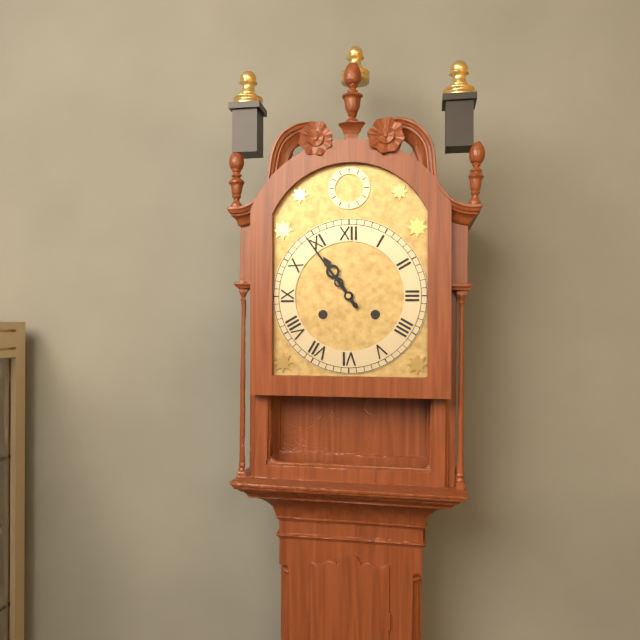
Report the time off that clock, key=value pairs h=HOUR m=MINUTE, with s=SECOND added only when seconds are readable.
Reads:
h=10 m=54
